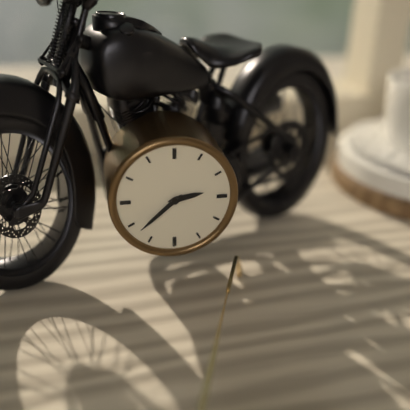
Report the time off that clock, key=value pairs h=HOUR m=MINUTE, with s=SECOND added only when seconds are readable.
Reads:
h=2 m=38
